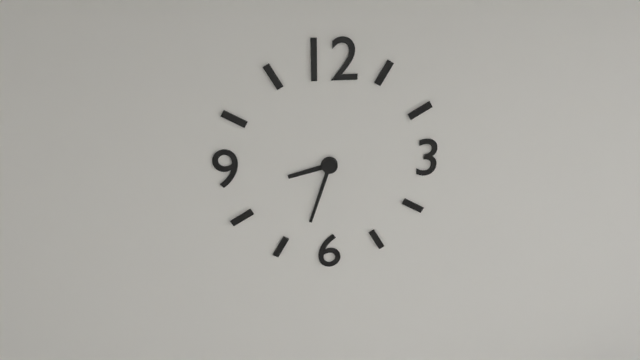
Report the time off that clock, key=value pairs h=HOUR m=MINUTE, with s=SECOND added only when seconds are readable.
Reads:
h=8 m=33
